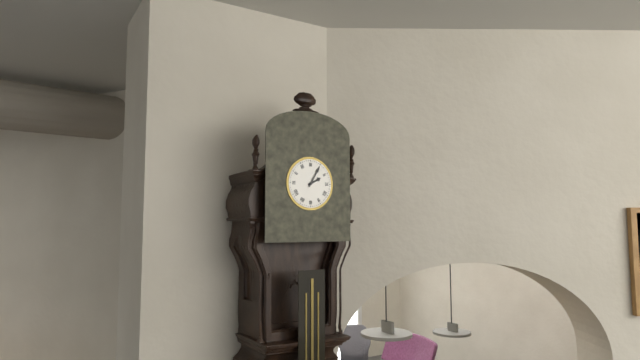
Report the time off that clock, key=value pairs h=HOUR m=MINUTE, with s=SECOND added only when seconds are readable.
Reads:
h=2 m=5
